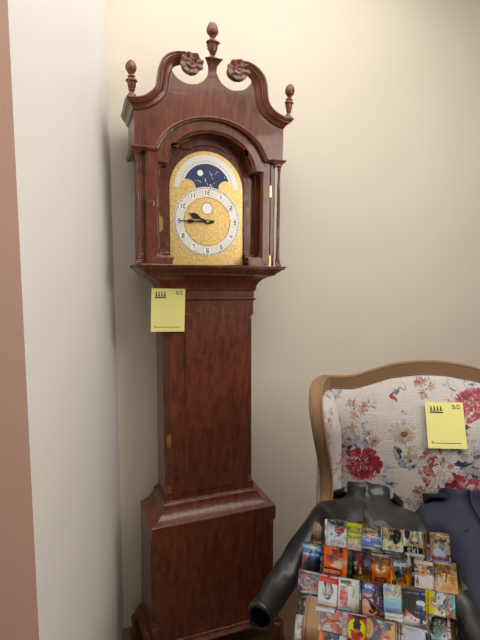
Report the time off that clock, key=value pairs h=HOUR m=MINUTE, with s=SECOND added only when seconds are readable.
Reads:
h=9 m=45
